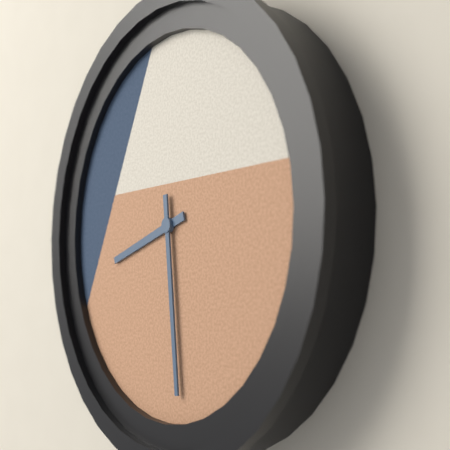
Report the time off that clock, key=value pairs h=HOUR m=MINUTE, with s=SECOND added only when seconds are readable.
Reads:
h=8 m=29
